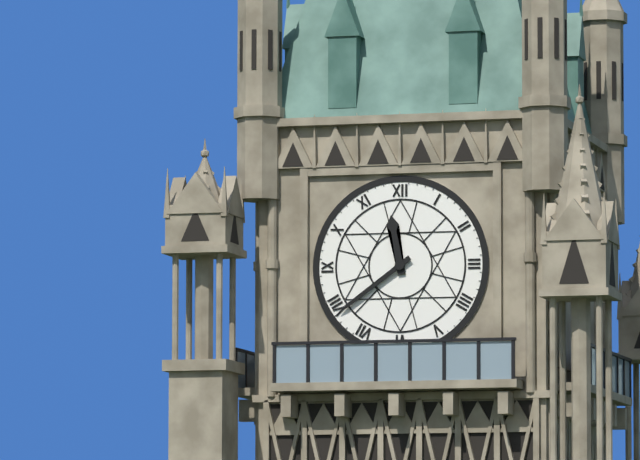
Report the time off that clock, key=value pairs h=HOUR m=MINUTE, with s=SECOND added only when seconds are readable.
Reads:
h=11 m=39
